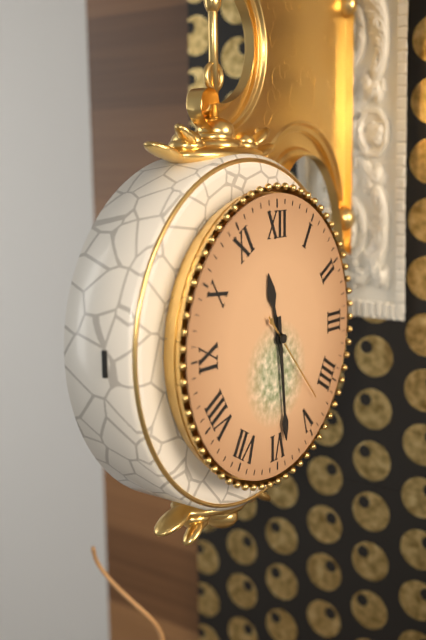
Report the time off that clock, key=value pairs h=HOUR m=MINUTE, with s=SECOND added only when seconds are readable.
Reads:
h=11 m=29 s=23
